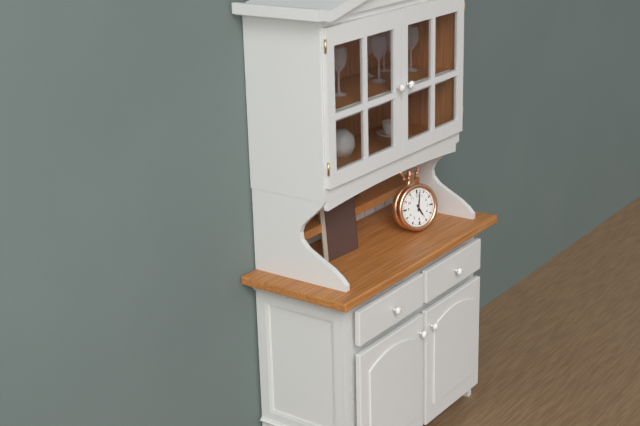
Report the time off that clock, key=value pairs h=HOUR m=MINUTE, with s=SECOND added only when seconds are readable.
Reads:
h=5 m=2
